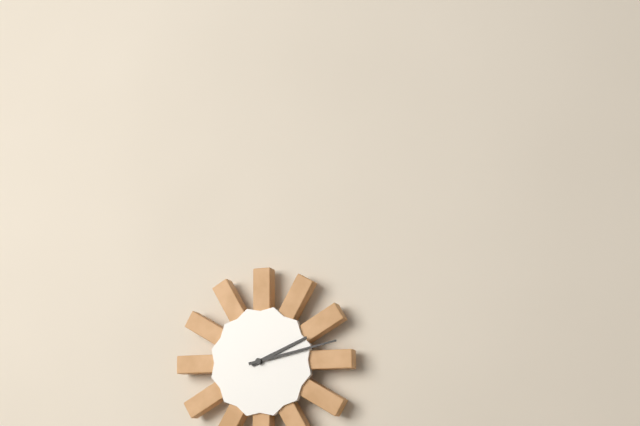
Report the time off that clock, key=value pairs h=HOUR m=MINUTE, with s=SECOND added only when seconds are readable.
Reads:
h=2 m=13
